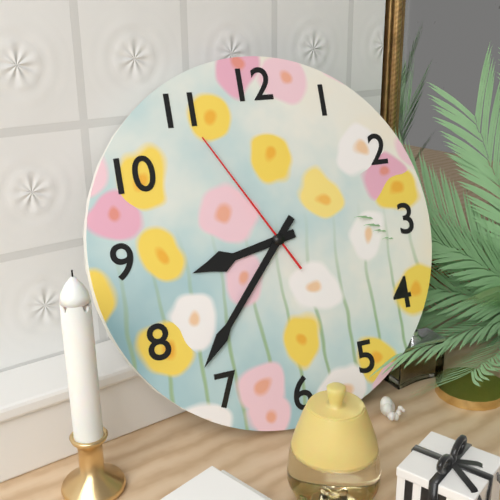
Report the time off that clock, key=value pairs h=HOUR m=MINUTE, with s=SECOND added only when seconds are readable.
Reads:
h=8 m=37 s=55
